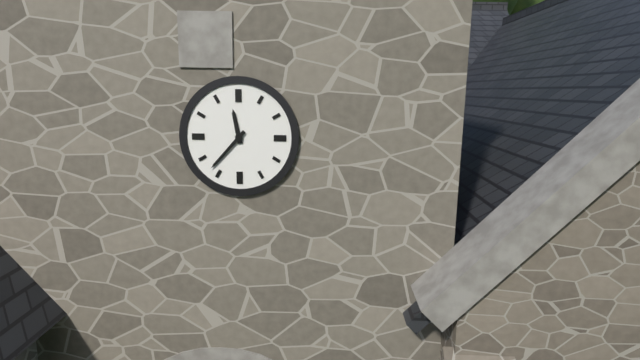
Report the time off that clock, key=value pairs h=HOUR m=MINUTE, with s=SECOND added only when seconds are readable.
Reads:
h=11 m=37
